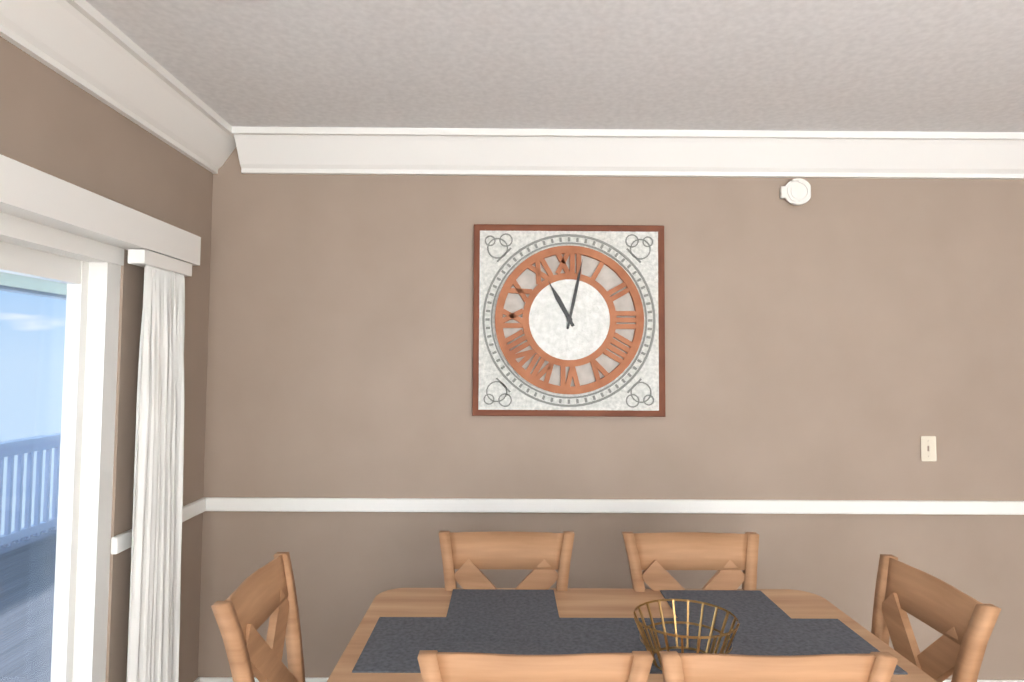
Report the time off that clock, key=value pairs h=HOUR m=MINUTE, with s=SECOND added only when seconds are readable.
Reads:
h=11 m=2
